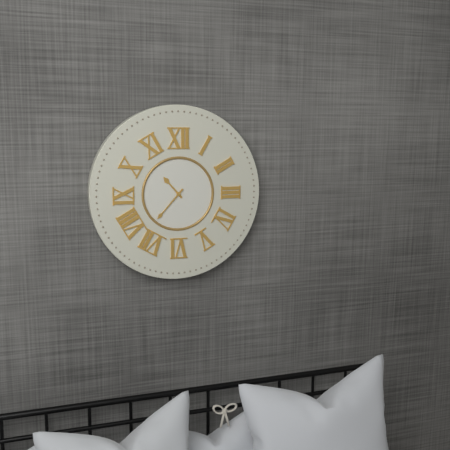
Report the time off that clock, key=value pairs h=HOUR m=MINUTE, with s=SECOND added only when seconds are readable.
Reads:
h=10 m=37
